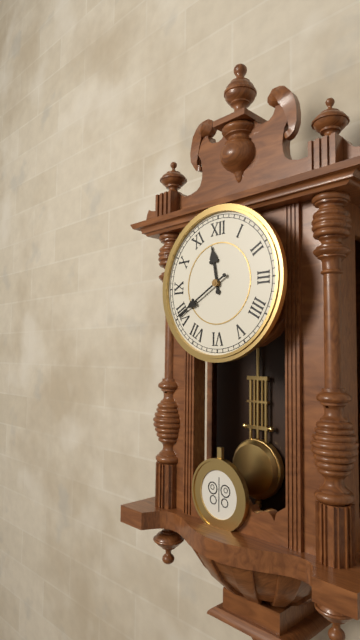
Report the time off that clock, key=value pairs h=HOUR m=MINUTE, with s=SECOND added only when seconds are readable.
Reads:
h=11 m=40
